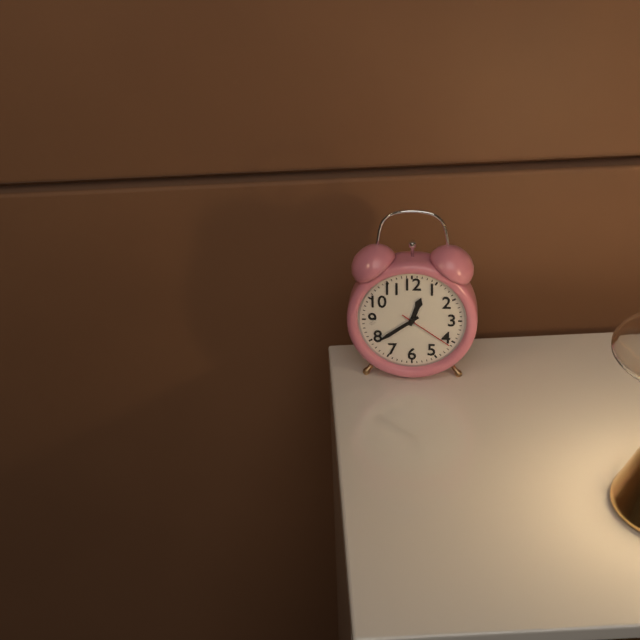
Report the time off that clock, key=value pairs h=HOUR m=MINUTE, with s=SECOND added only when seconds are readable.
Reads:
h=12 m=39 s=21
